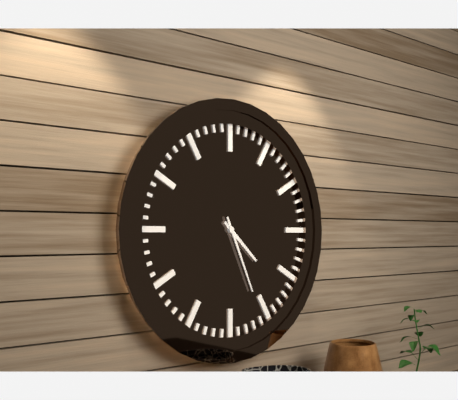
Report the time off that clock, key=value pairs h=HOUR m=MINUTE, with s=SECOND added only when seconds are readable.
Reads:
h=4 m=26
